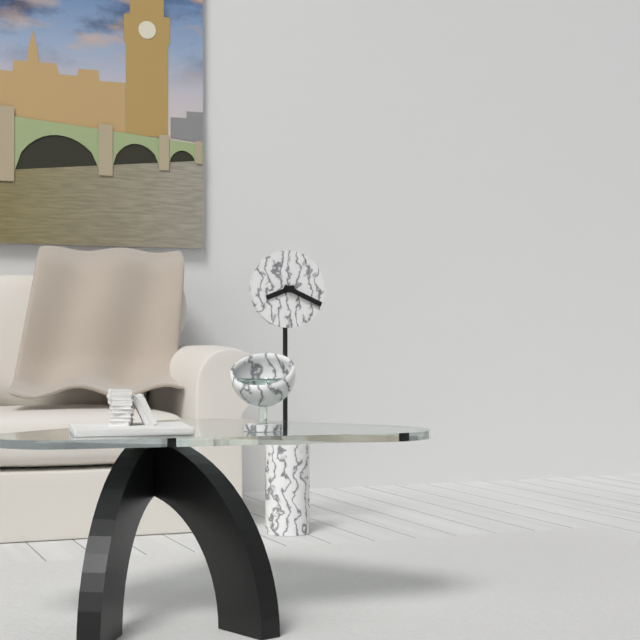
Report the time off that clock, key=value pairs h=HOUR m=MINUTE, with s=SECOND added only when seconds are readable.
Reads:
h=8 m=19
